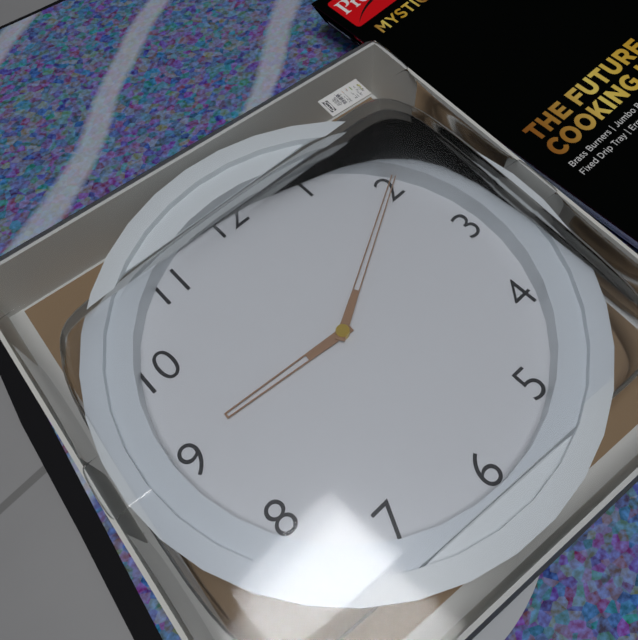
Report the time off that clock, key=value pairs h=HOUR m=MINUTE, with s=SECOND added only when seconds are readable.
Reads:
h=9 m=10
